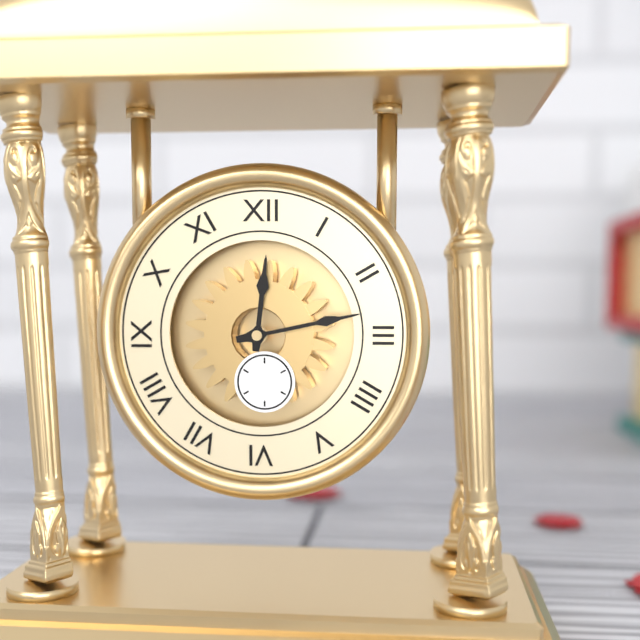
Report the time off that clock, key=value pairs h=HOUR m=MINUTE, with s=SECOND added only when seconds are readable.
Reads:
h=12 m=13
